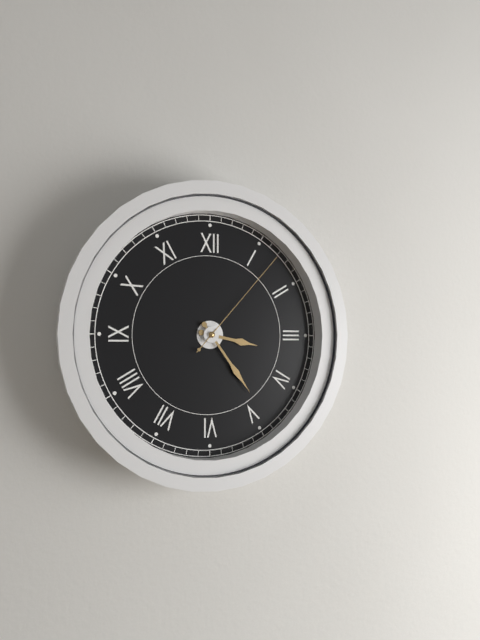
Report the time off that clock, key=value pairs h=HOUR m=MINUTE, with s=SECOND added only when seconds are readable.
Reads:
h=3 m=24 s=7
